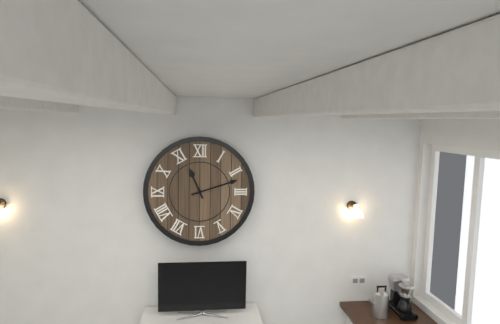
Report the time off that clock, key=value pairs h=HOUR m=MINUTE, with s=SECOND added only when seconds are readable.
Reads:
h=11 m=12
